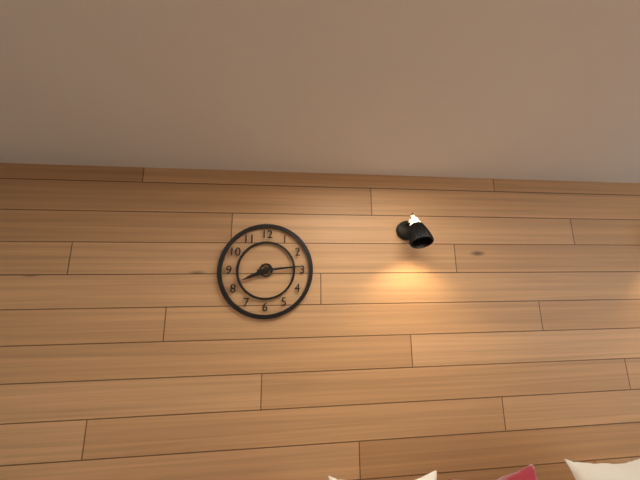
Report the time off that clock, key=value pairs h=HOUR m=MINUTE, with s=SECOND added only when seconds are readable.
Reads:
h=8 m=14
